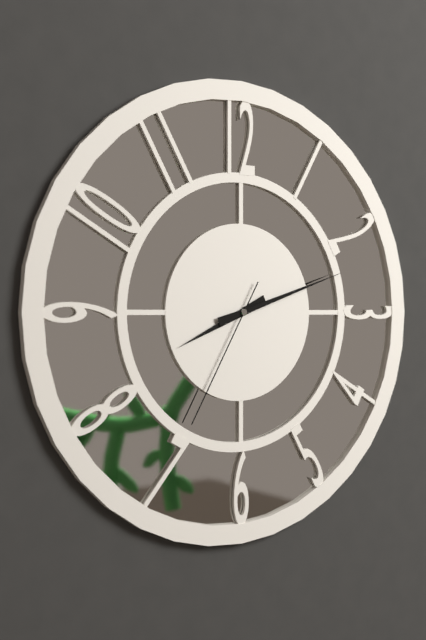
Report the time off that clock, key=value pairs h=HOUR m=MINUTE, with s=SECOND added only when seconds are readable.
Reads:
h=8 m=12 s=35
